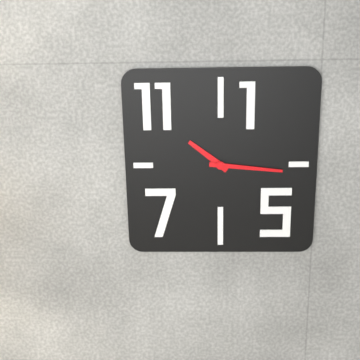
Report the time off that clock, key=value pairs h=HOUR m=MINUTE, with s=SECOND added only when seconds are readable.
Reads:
h=10 m=16
